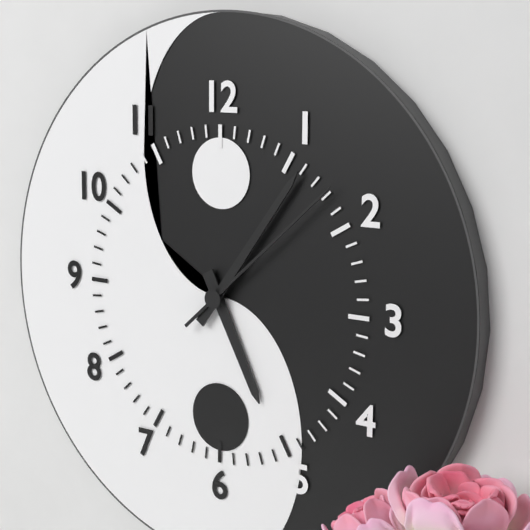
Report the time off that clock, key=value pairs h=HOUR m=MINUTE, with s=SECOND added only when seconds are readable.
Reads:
h=5 m=6 s=8
